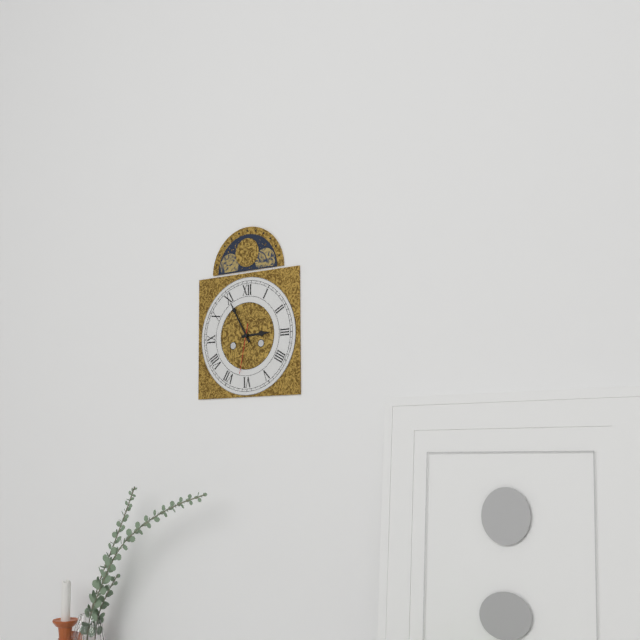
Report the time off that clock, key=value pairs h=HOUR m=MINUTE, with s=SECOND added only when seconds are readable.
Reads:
h=2 m=55
